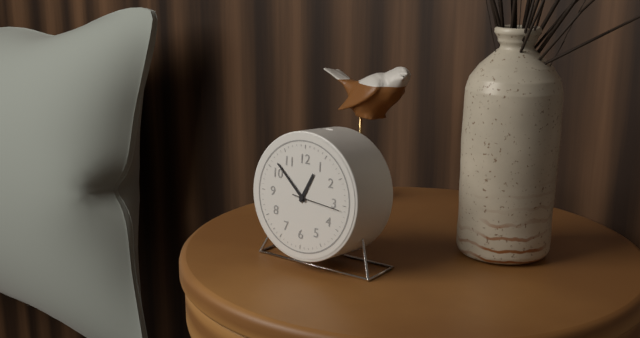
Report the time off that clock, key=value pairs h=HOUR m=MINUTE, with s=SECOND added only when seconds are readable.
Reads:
h=12 m=52 s=16
